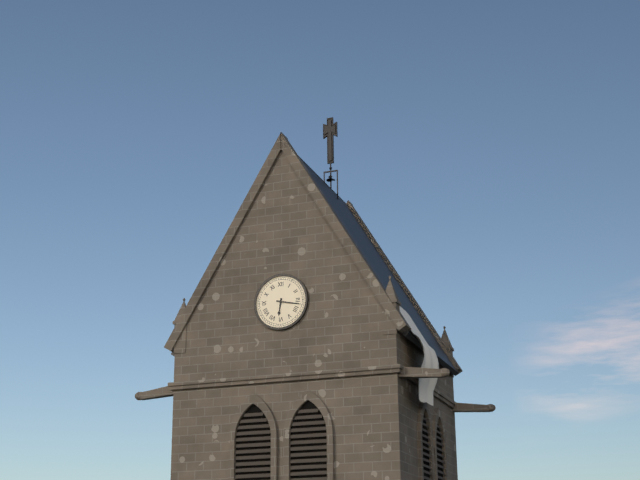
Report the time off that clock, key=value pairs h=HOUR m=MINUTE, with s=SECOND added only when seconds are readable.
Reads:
h=6 m=17
